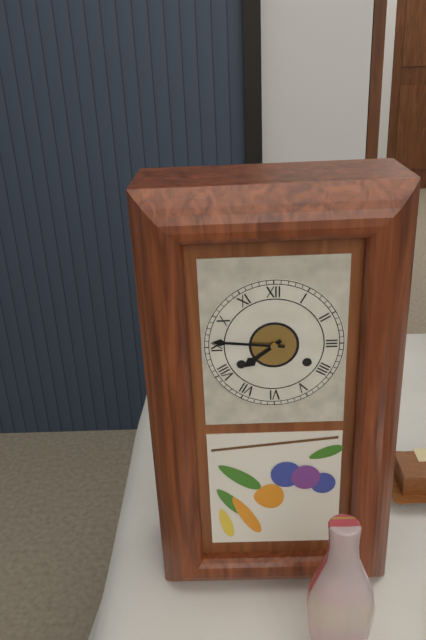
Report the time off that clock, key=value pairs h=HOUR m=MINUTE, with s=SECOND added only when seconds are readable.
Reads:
h=7 m=46
